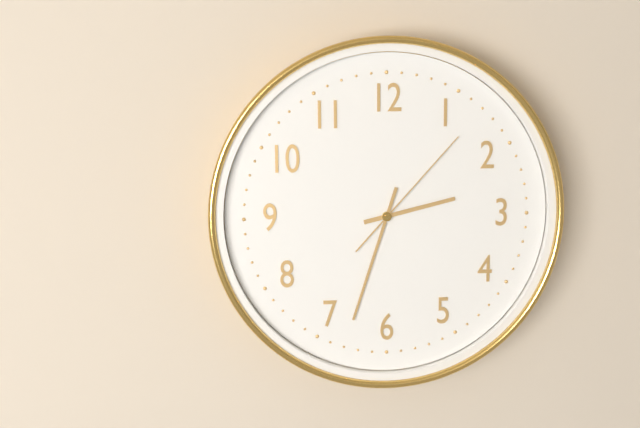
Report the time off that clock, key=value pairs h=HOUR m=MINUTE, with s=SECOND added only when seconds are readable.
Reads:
h=2 m=33 s=7
